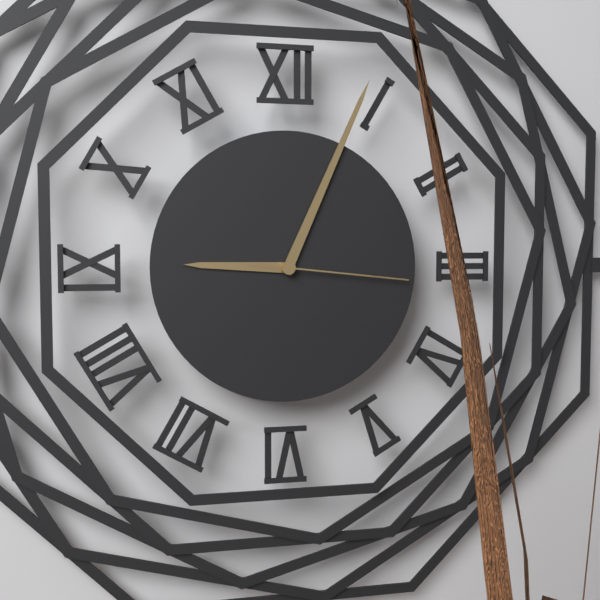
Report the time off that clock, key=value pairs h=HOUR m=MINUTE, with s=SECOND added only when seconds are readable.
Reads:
h=9 m=4 s=16
